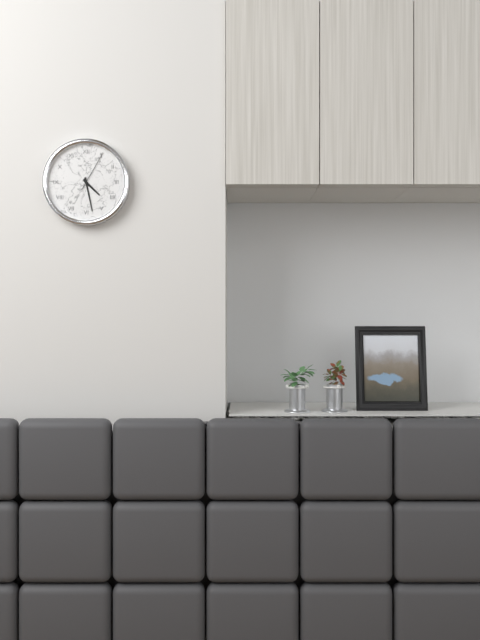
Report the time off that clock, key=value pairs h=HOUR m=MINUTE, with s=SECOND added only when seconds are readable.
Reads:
h=4 m=28
